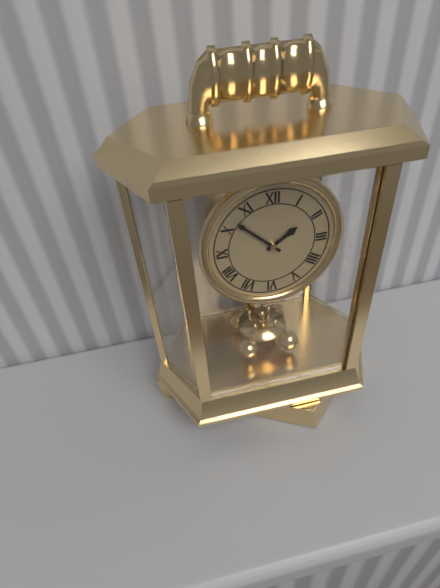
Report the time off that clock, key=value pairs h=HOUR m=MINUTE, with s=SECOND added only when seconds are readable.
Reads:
h=1 m=52
